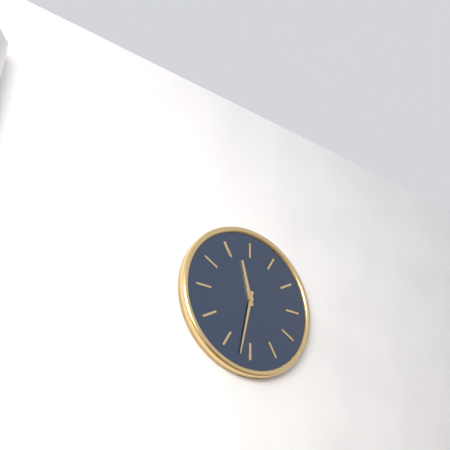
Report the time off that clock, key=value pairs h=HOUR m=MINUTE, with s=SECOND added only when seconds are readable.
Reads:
h=11 m=32
